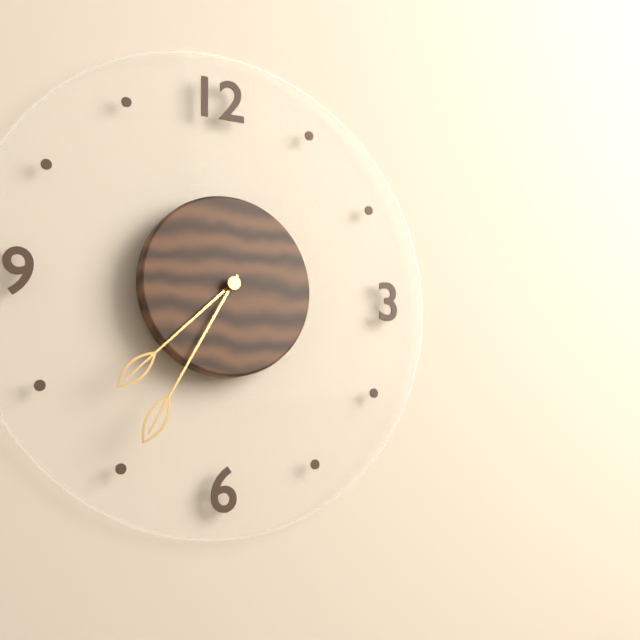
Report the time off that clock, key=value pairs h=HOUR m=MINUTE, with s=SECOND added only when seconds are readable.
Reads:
h=7 m=35
